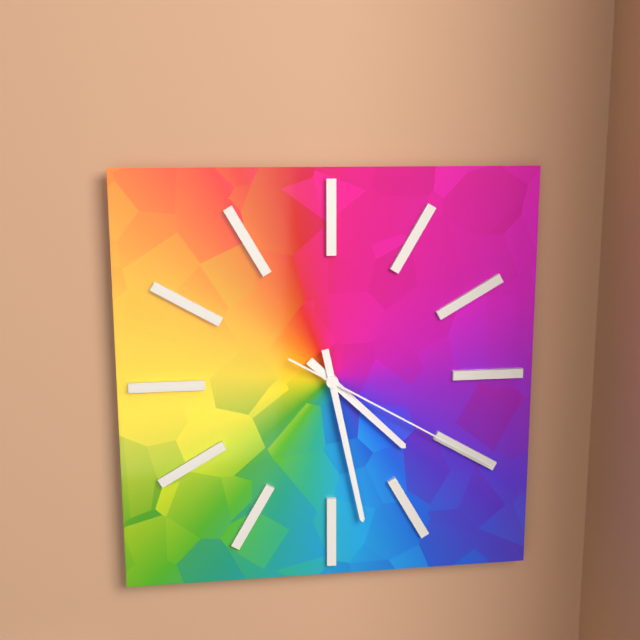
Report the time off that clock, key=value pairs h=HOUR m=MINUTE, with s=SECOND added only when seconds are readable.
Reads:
h=4 m=28 s=20
